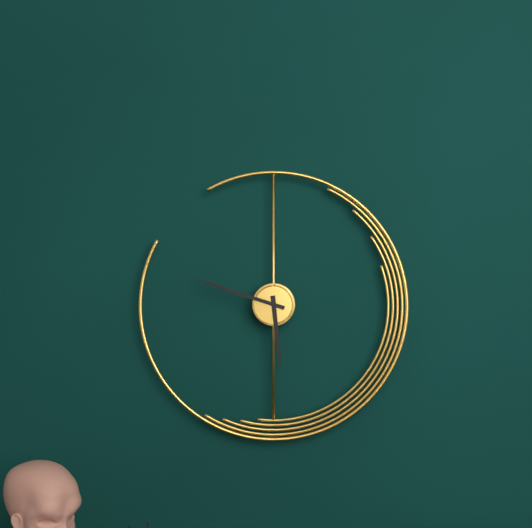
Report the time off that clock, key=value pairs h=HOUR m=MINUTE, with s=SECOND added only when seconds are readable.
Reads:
h=5 m=48
